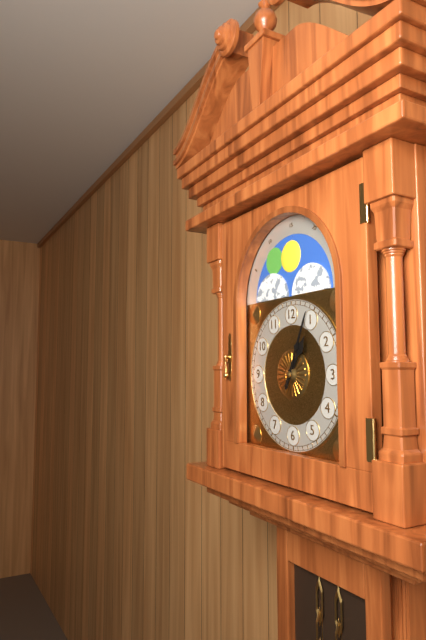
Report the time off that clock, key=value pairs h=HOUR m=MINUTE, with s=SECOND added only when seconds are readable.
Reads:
h=1 m=4
